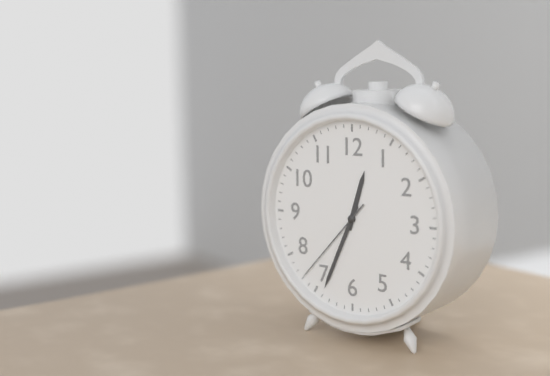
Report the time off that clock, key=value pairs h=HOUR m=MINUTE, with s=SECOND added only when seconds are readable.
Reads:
h=12 m=34 s=37
